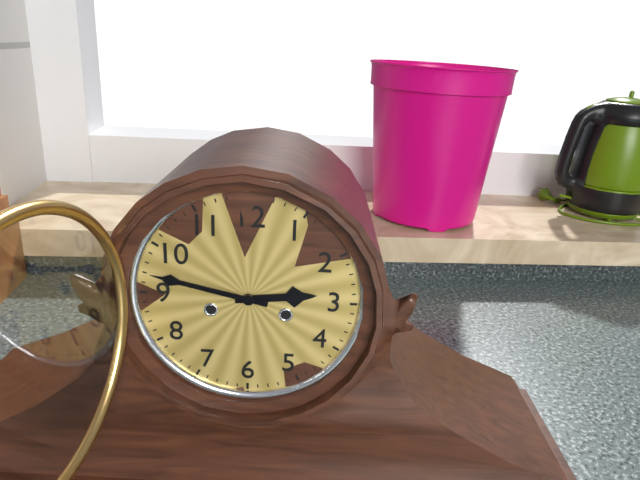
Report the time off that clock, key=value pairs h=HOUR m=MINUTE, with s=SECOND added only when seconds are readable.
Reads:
h=2 m=47
